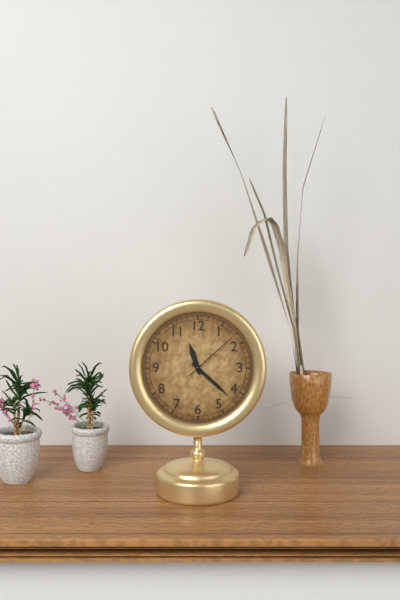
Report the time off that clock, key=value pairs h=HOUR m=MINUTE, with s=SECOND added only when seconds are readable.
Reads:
h=11 m=22 s=8
